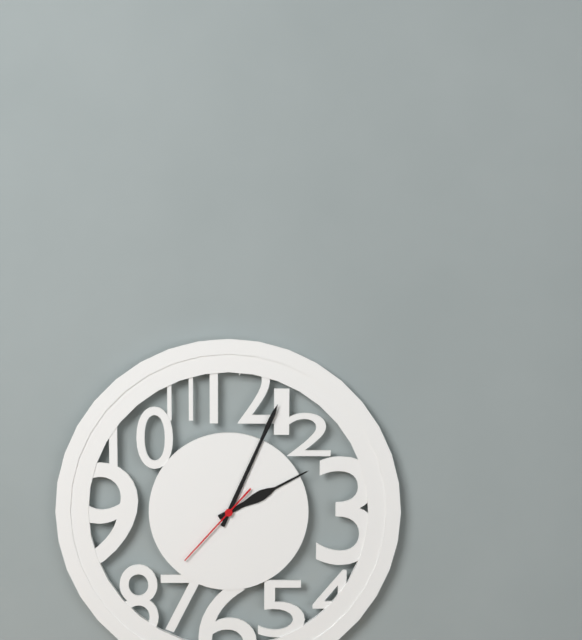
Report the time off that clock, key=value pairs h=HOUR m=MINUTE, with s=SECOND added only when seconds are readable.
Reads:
h=2 m=4 s=37
